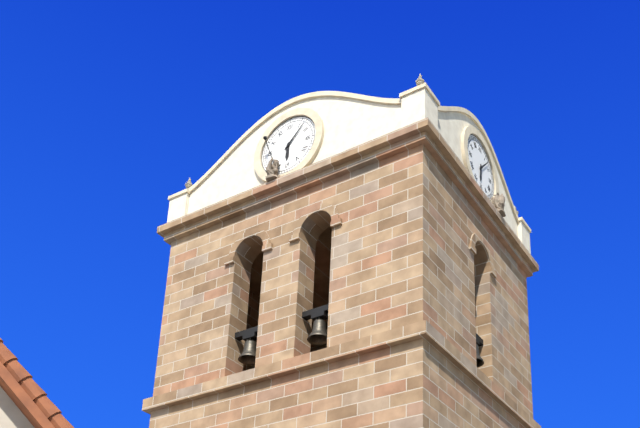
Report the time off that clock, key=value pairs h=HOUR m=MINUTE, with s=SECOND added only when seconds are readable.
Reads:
h=6 m=7
